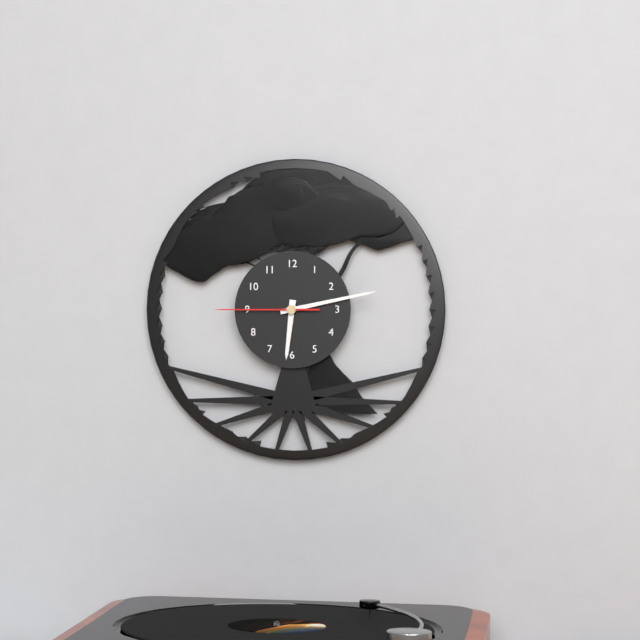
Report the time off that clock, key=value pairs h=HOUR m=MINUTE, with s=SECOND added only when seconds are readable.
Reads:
h=6 m=13 s=45
